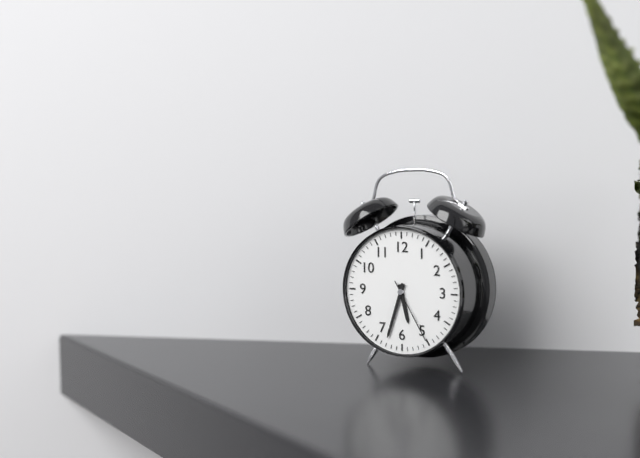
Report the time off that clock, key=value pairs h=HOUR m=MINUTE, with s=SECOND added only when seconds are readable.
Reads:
h=5 m=33 s=25
